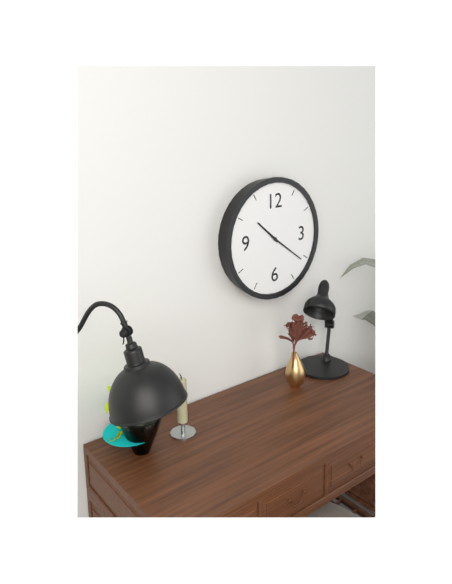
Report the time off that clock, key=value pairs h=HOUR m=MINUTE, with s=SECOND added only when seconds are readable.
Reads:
h=10 m=21
